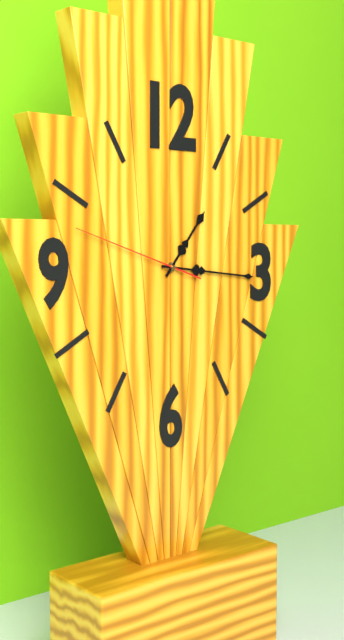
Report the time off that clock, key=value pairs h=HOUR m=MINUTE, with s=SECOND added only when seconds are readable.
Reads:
h=1 m=16 s=48
